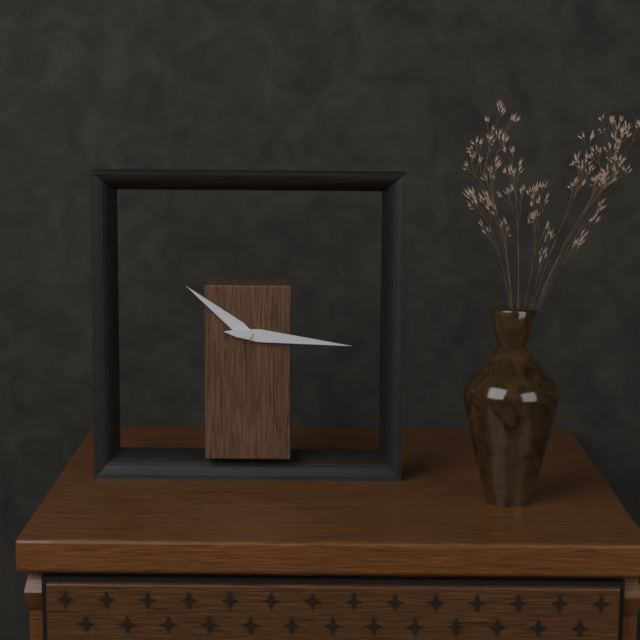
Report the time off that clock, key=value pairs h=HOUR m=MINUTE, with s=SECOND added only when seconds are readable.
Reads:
h=10 m=16
